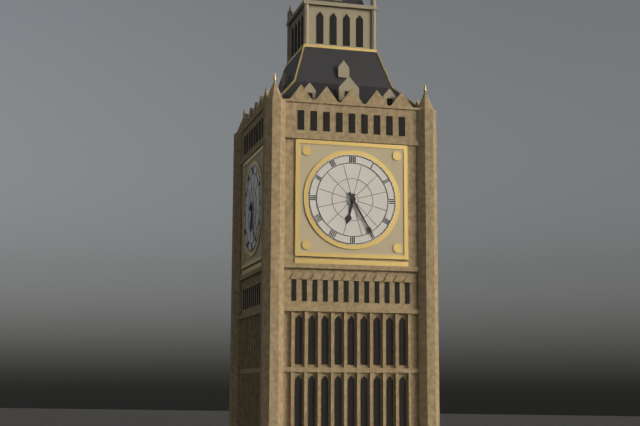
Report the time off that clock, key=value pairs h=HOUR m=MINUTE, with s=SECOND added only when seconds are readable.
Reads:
h=6 m=25
